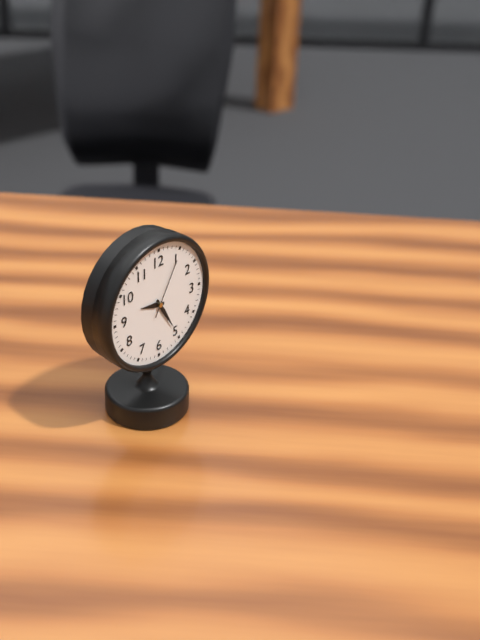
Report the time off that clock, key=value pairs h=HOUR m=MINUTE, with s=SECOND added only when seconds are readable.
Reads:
h=9 m=25 s=5
